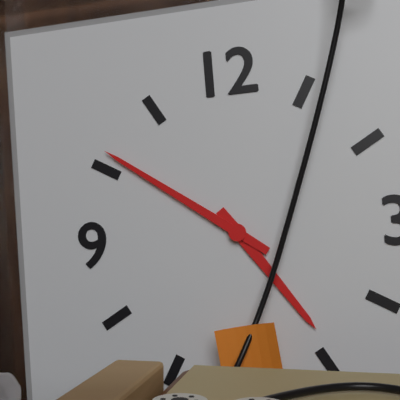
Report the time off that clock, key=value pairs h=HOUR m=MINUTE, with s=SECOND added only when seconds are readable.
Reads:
h=4 m=51
